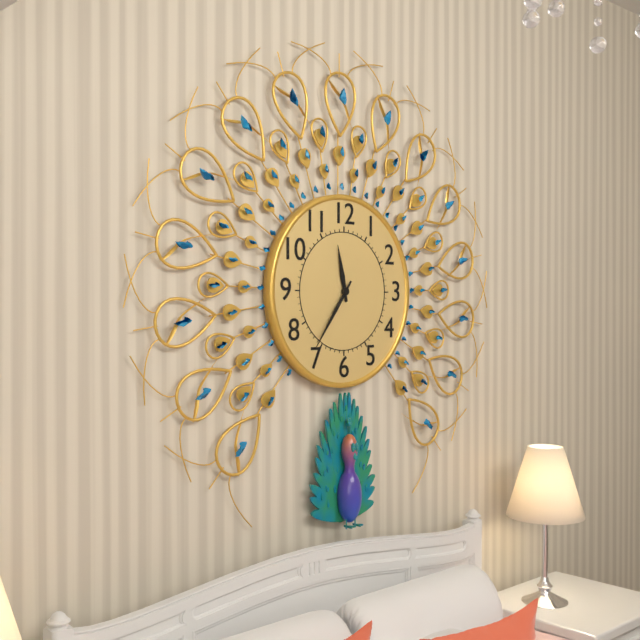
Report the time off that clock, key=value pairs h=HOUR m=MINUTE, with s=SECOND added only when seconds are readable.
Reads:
h=11 m=36
